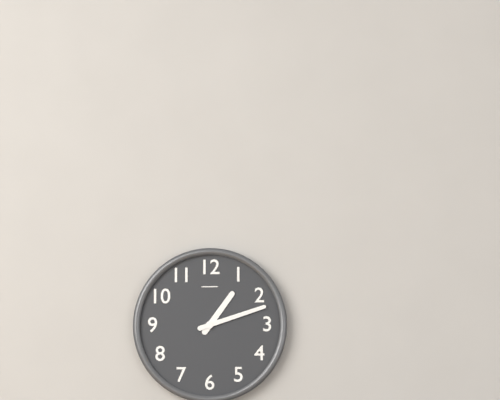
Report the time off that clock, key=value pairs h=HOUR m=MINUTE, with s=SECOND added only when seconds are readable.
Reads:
h=1 m=12
